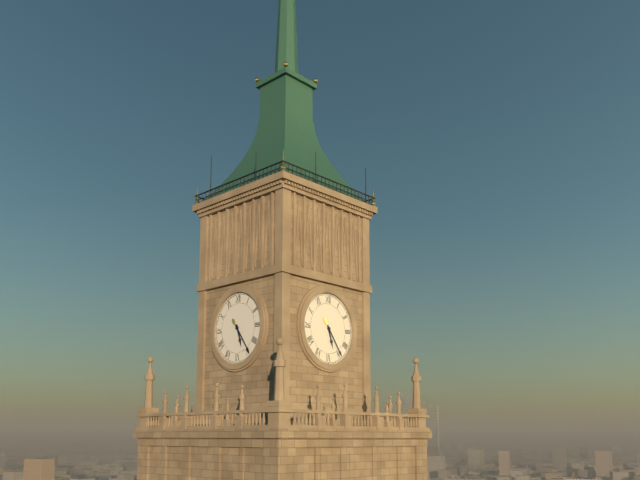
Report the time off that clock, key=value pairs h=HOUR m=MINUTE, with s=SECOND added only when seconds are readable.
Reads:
h=5 m=24
